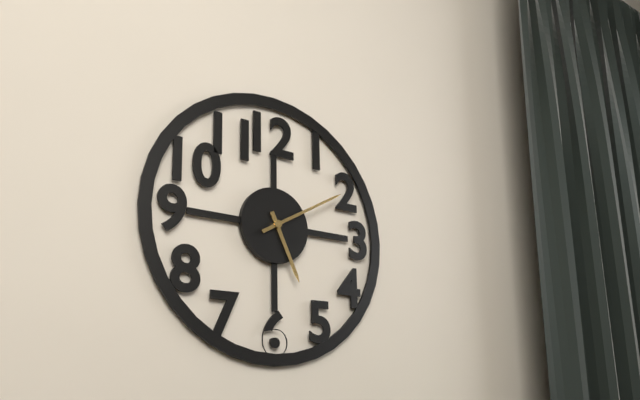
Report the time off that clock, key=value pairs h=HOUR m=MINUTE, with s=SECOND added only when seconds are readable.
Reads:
h=5 m=10
